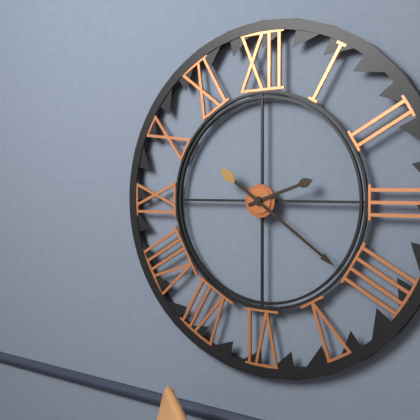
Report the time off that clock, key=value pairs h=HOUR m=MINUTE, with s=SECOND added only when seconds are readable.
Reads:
h=2 m=21
